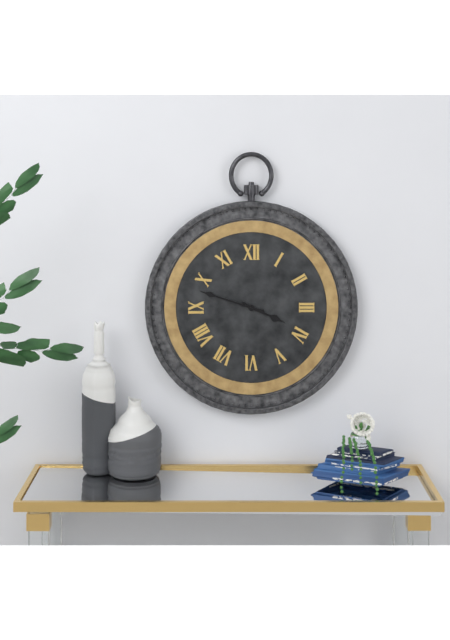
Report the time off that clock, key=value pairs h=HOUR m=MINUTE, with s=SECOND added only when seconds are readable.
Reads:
h=3 m=48
